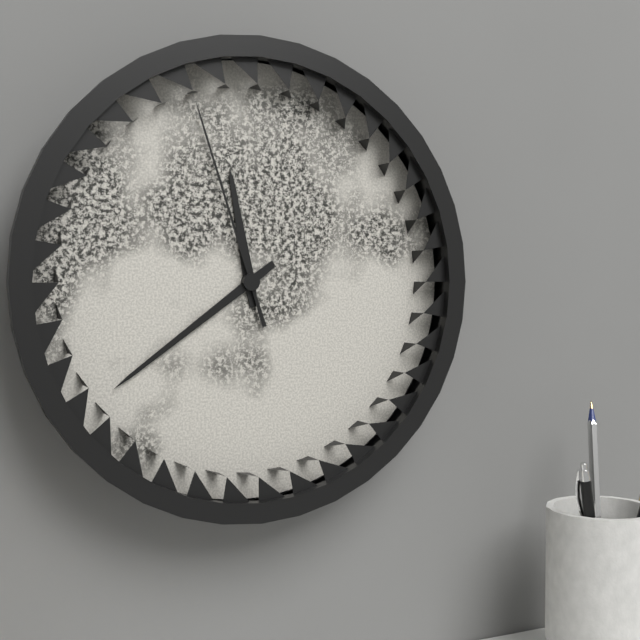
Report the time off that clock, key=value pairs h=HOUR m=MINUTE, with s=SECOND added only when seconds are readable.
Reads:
h=11 m=39 s=57
